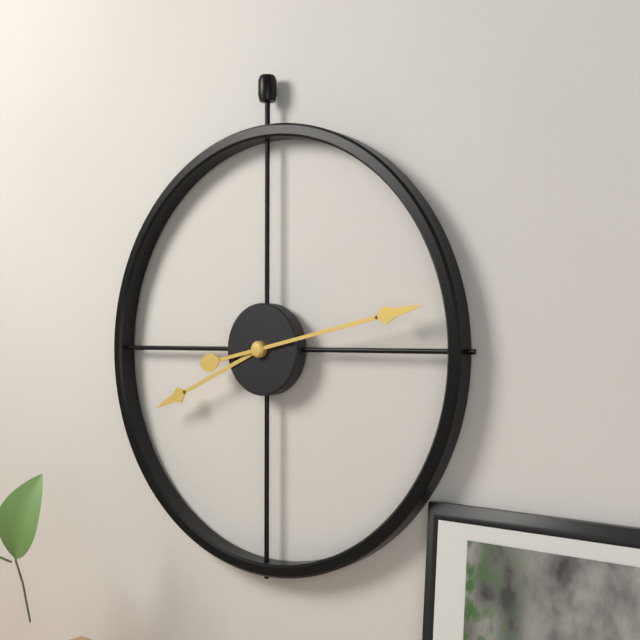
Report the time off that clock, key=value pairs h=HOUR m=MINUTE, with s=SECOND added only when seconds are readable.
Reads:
h=8 m=13
